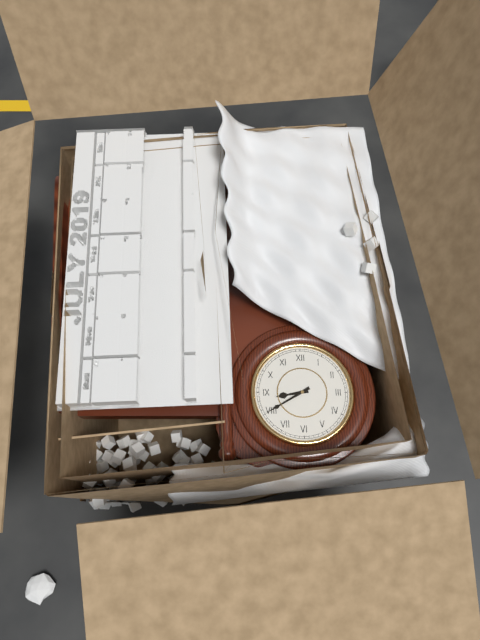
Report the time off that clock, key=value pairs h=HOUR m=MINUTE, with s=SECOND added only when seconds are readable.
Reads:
h=8 m=40
